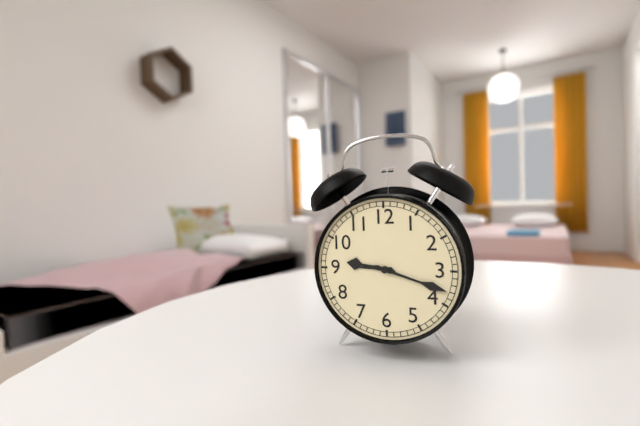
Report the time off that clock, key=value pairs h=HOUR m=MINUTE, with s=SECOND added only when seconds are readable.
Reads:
h=9 m=18
